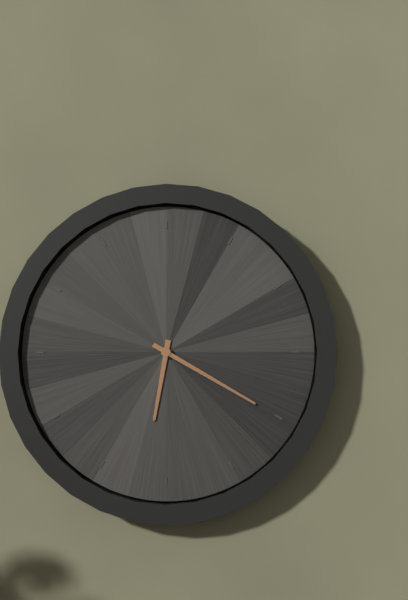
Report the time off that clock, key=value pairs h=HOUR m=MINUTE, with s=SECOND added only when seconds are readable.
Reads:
h=6 m=20
